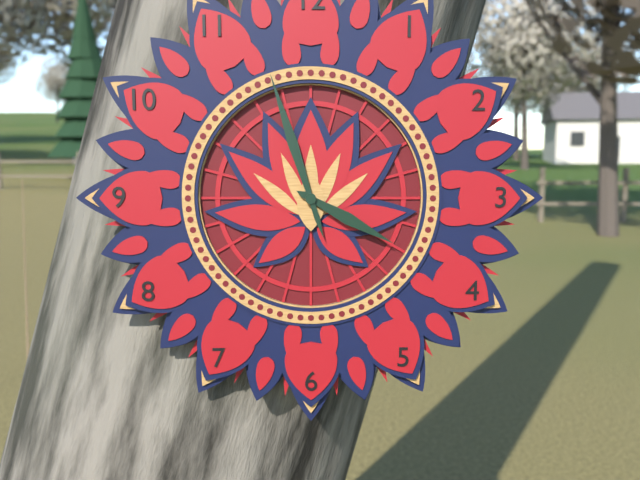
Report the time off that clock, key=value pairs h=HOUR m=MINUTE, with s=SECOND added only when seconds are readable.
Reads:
h=3 m=57
